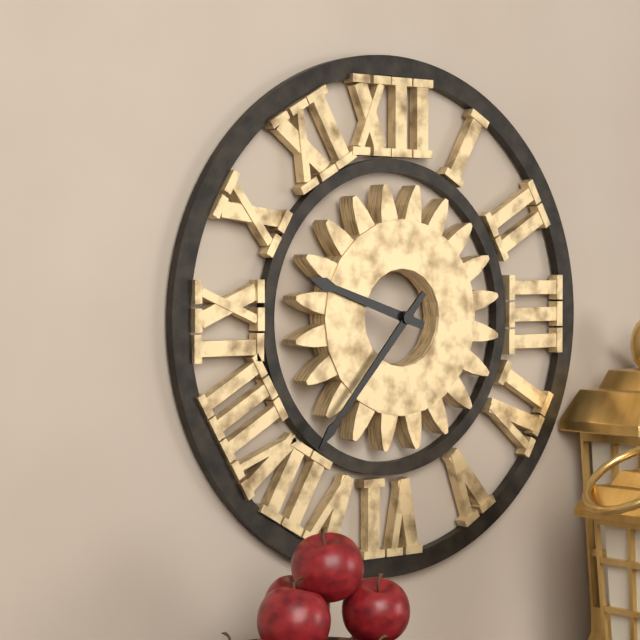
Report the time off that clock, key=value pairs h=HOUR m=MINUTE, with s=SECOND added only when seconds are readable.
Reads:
h=9 m=37
